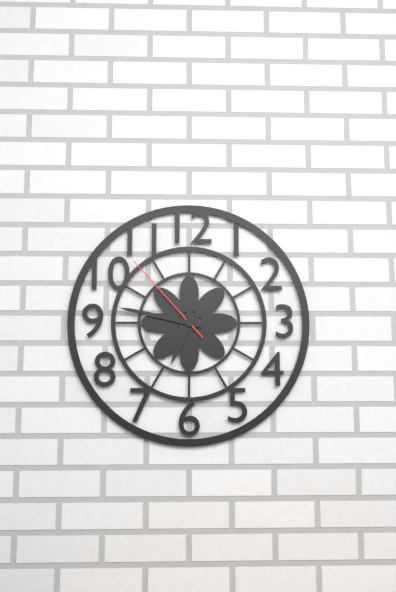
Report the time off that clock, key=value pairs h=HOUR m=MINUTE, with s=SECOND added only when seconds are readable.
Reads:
h=6 m=47 s=53
